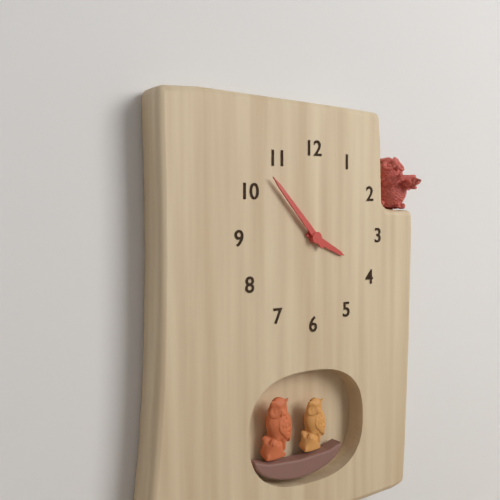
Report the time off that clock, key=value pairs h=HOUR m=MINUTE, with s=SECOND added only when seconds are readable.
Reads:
h=3 m=53
